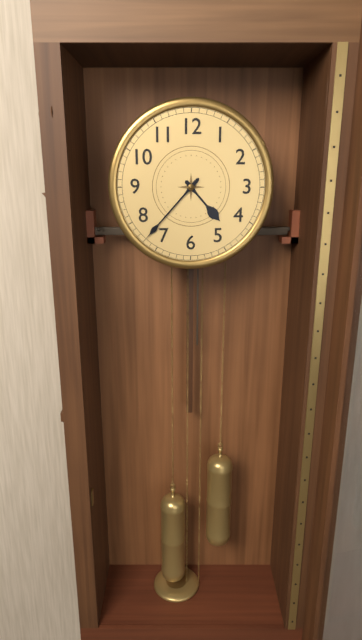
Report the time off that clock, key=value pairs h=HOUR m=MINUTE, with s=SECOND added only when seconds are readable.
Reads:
h=4 m=37
